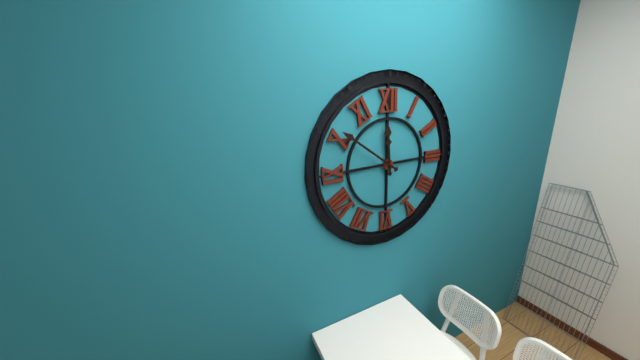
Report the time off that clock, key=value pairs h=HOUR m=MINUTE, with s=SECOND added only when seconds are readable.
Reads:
h=11 m=51
